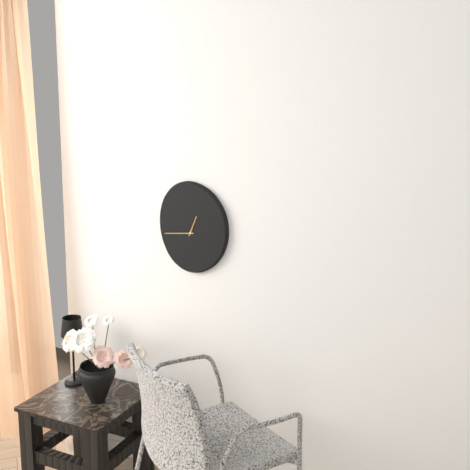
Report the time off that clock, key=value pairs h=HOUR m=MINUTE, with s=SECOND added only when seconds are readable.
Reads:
h=12 m=44
